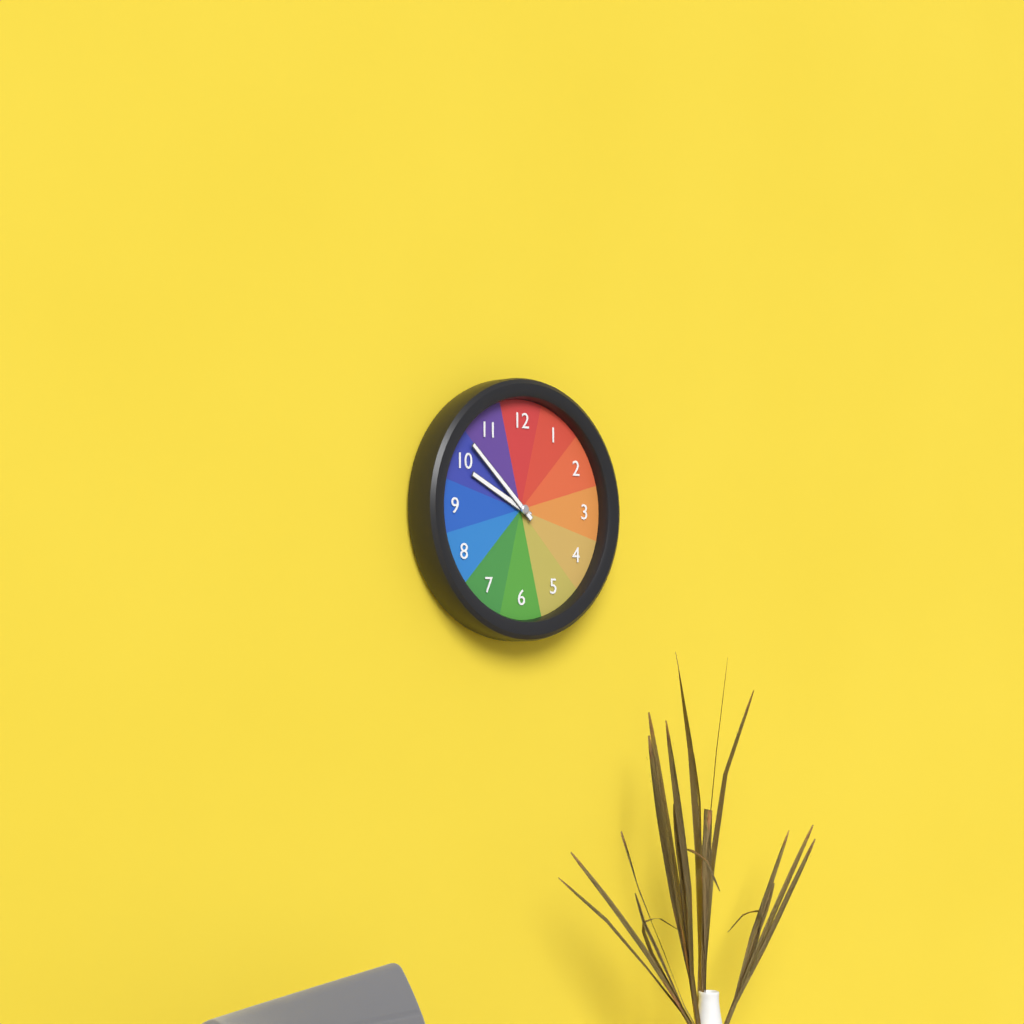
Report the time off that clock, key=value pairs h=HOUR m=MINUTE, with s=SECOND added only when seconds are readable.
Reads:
h=9 m=52
